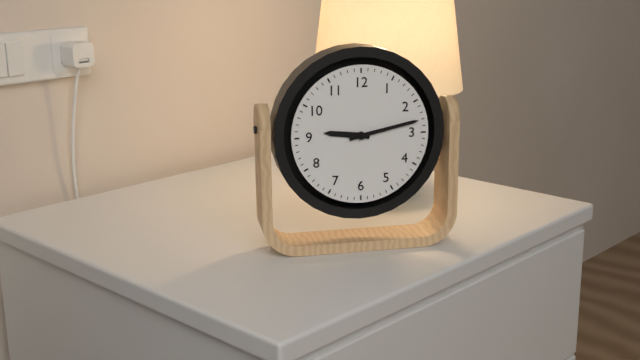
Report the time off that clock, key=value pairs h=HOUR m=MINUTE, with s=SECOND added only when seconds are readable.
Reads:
h=9 m=13
